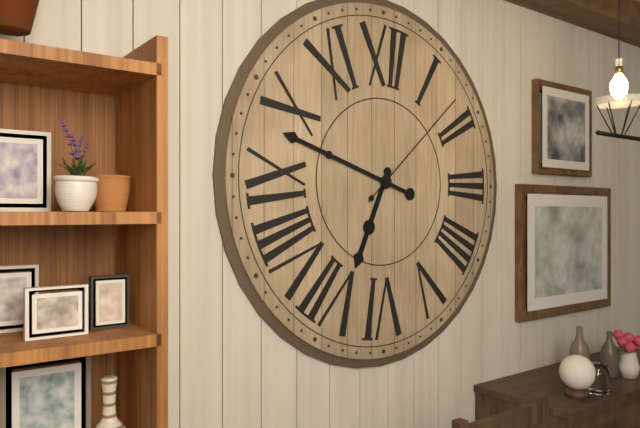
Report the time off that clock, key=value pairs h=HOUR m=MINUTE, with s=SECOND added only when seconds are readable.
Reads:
h=6 m=48 s=8
